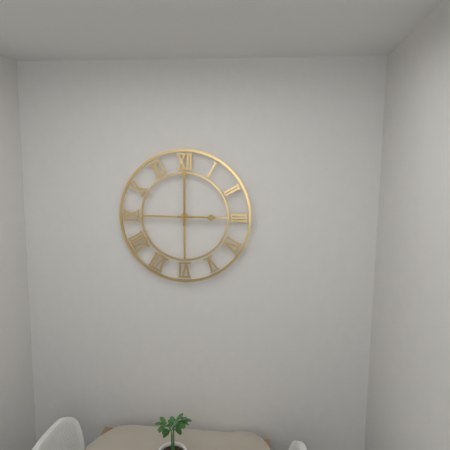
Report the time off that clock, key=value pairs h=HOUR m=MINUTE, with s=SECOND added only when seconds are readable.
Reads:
h=3 m=0
